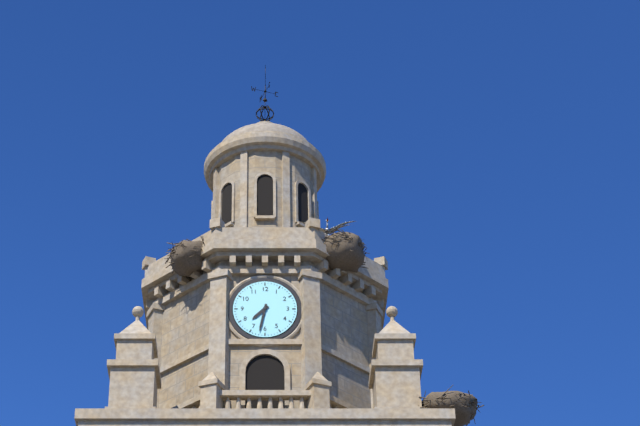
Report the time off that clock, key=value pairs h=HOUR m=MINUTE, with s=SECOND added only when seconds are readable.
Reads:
h=7 m=32
